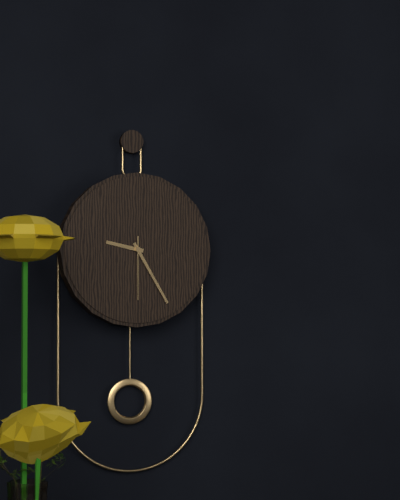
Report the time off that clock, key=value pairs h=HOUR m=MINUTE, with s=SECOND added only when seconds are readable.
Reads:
h=9 m=25 s=30
